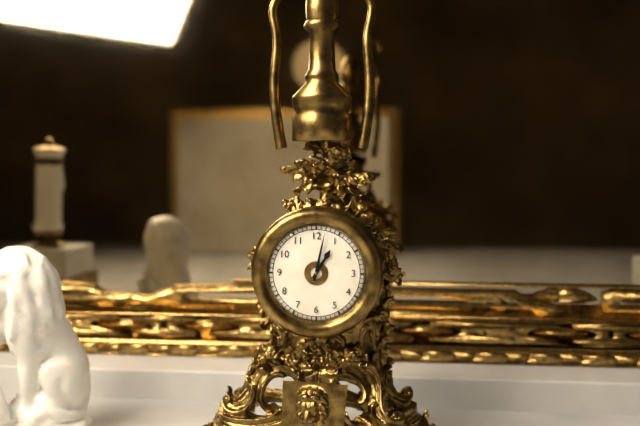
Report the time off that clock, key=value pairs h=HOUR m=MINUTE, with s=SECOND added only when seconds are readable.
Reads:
h=1 m=2
